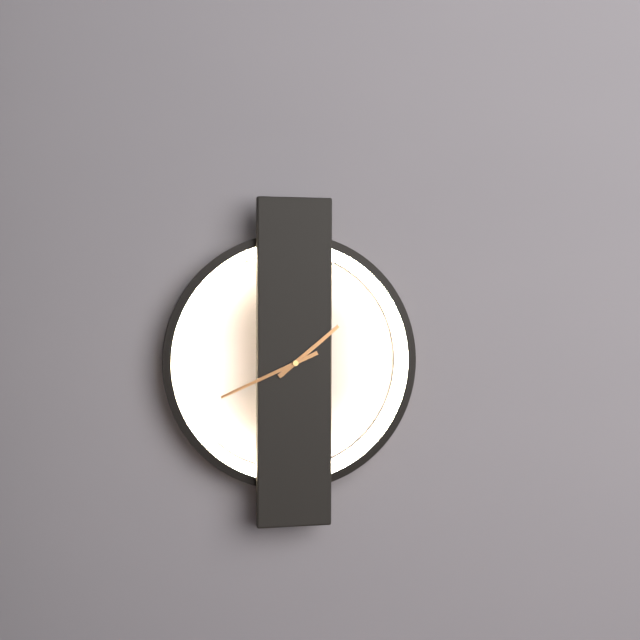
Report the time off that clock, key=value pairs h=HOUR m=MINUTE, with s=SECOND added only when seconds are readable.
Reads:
h=1 m=41
